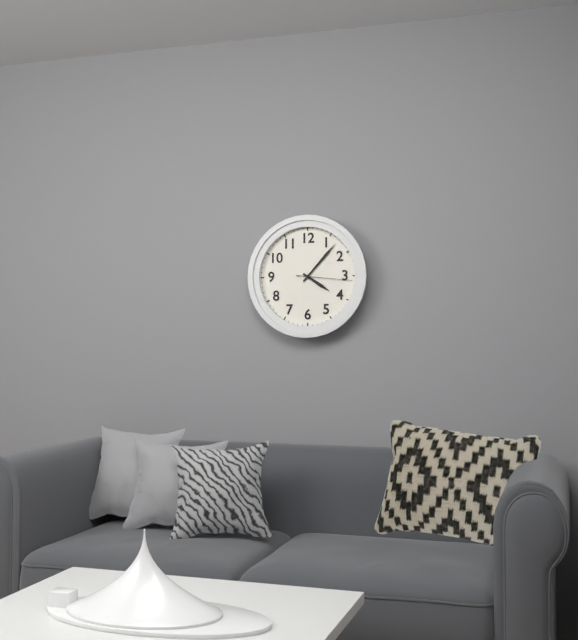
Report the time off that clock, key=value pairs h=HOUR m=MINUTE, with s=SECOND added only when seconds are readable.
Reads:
h=4 m=7 s=16
